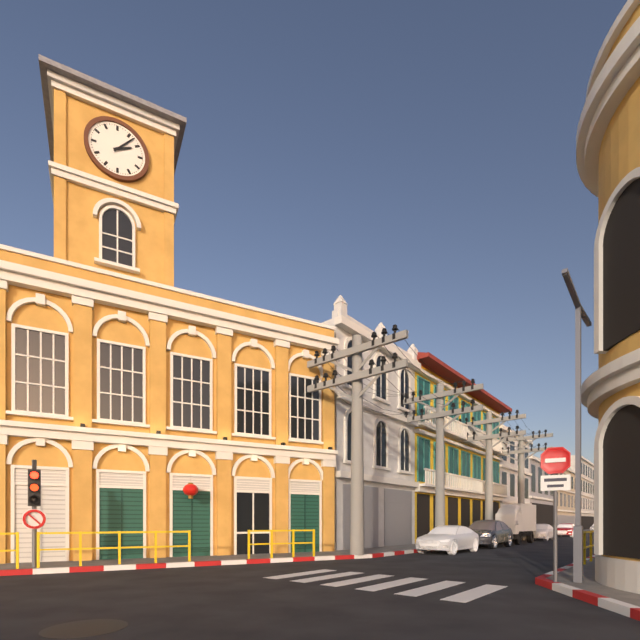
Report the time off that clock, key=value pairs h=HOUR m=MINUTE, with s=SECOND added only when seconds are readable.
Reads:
h=2 m=7
